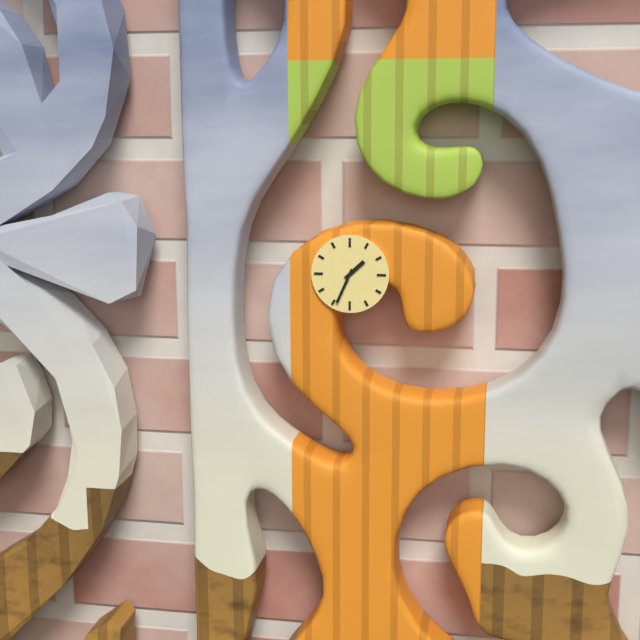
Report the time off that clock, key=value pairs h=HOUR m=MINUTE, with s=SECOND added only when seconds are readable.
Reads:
h=1 m=34
